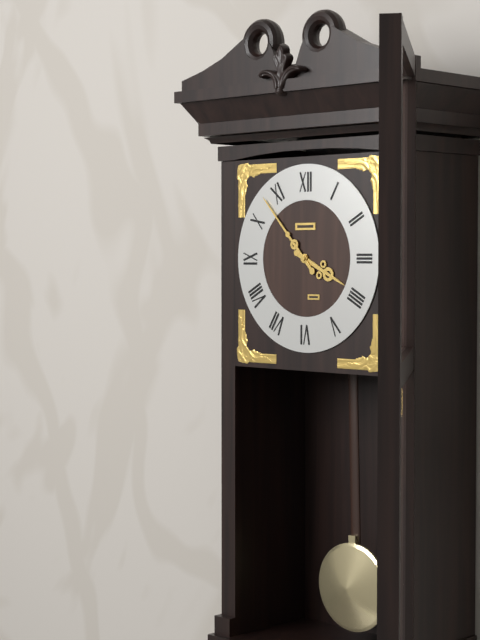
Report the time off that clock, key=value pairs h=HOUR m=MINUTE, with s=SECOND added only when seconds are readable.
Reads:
h=3 m=53
